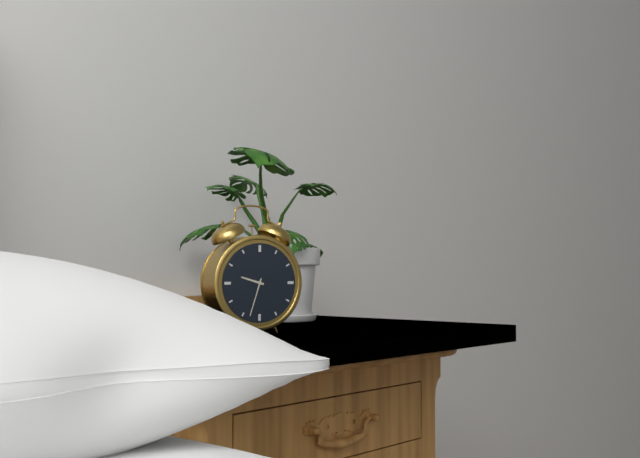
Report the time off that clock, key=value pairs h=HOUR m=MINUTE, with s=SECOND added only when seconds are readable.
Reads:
h=9 m=33
